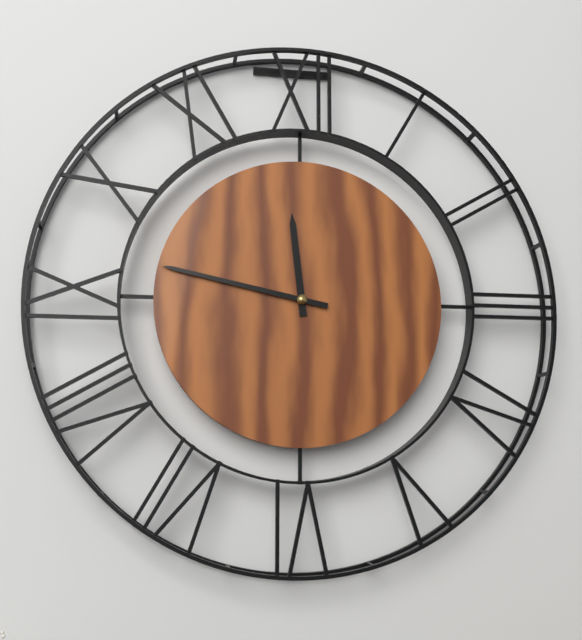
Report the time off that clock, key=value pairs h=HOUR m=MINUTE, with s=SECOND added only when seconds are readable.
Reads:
h=11 m=47
